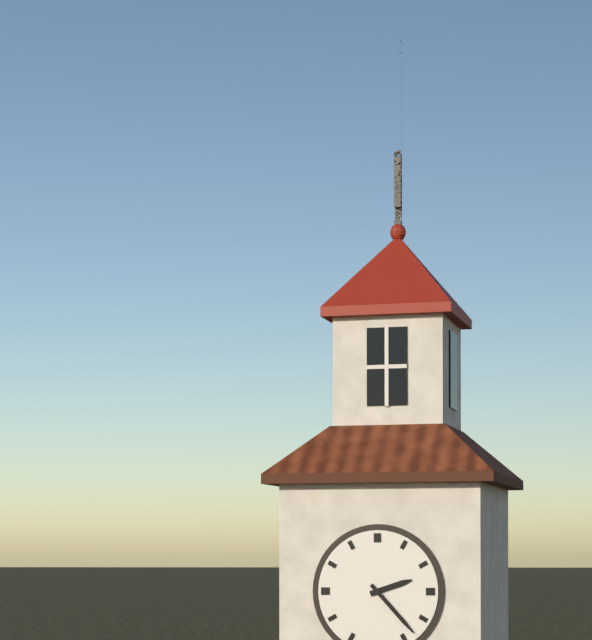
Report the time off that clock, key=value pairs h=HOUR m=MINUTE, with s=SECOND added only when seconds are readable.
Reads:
h=2 m=23
